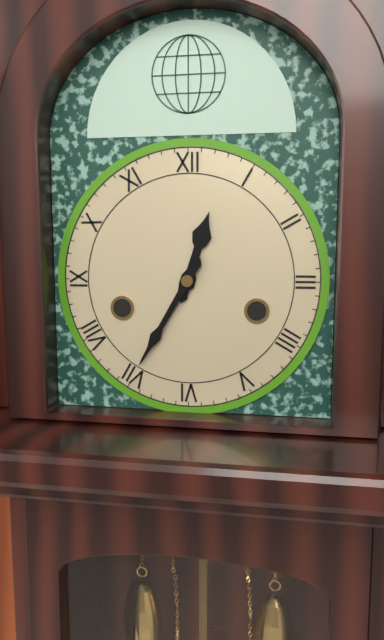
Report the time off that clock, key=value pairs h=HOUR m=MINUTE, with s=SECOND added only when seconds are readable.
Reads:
h=12 m=35
